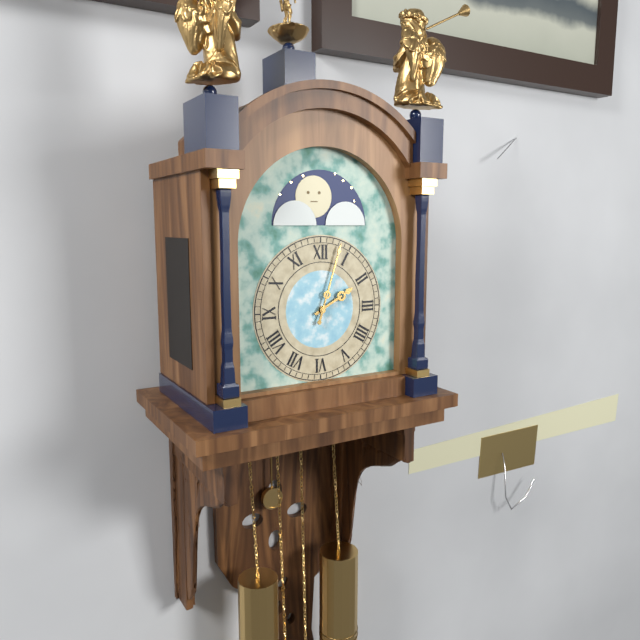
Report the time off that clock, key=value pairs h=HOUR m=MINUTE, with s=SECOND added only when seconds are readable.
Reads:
h=2 m=3
